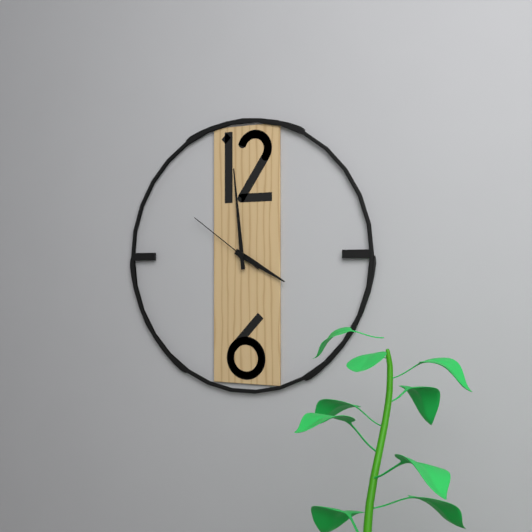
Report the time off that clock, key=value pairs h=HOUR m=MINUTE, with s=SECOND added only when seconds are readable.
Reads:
h=3 m=59 s=51
